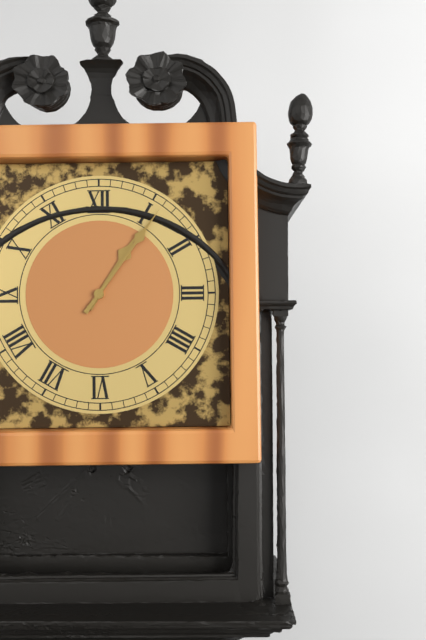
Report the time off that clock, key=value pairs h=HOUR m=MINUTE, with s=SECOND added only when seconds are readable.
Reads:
h=1 m=6
